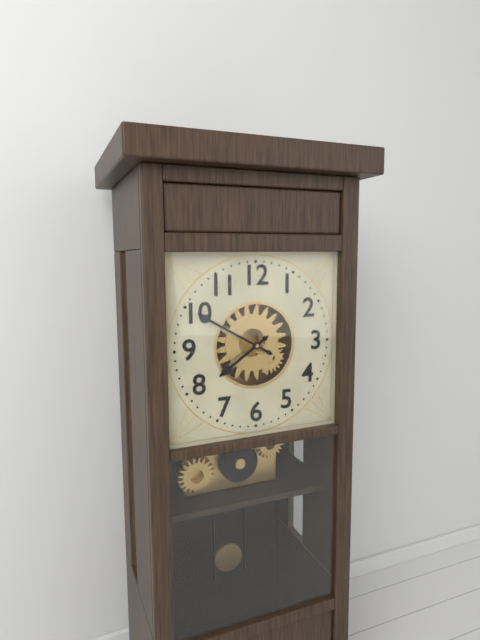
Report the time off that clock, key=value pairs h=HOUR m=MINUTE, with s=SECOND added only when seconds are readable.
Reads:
h=7 m=50
